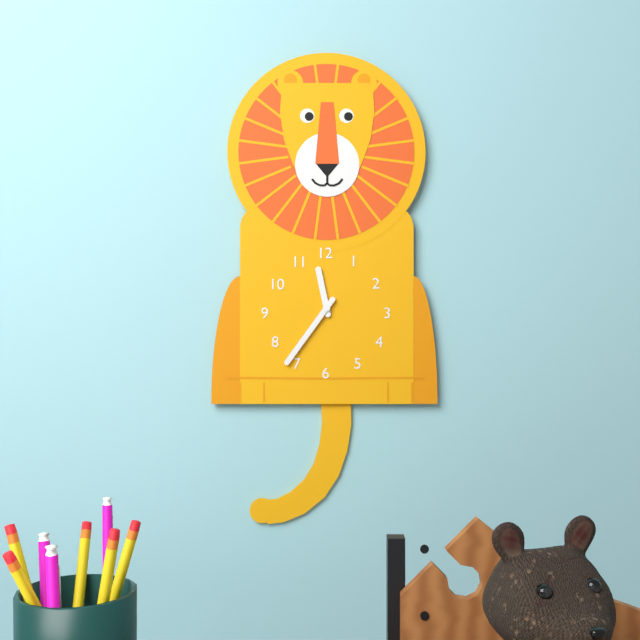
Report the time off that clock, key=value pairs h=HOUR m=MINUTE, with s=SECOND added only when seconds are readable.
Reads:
h=11 m=36
